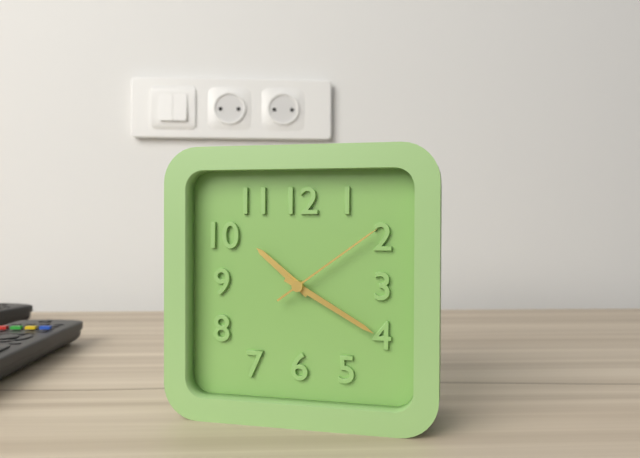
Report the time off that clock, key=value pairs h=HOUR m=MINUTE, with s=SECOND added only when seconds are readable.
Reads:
h=10 m=20 s=9
